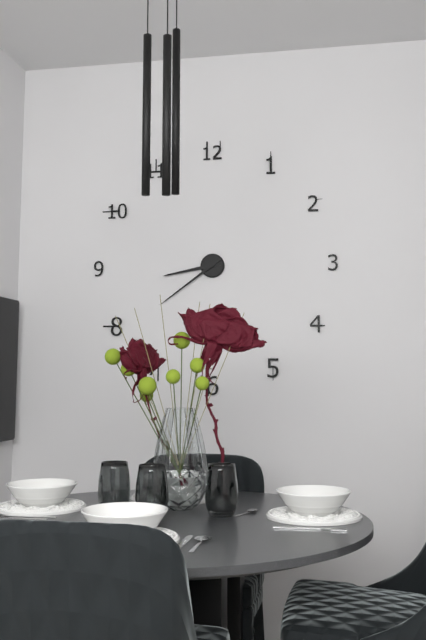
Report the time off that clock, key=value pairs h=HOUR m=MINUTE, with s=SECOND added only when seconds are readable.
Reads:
h=8 m=39
